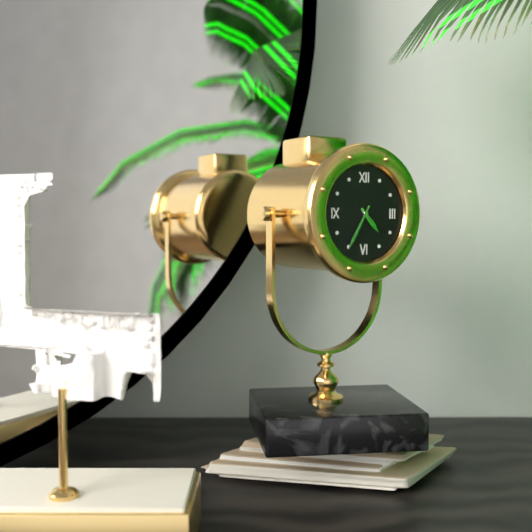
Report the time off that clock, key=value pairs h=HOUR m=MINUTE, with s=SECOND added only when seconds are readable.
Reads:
h=4 m=35
